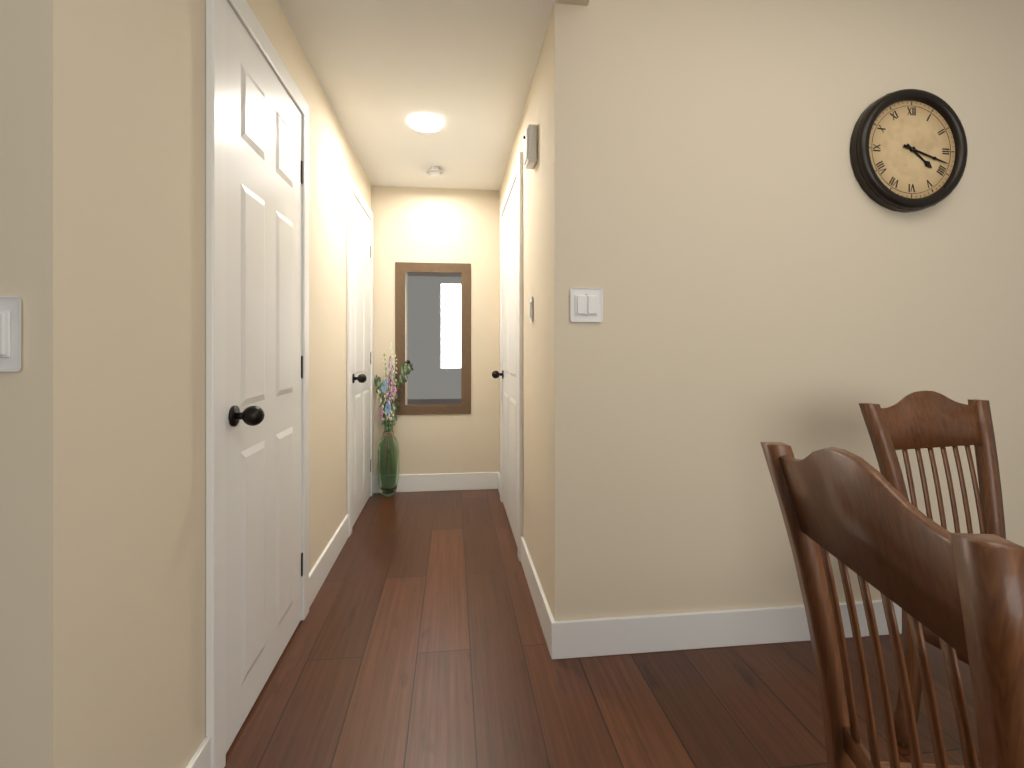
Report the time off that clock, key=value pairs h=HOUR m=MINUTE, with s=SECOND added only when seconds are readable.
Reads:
h=4 m=18
